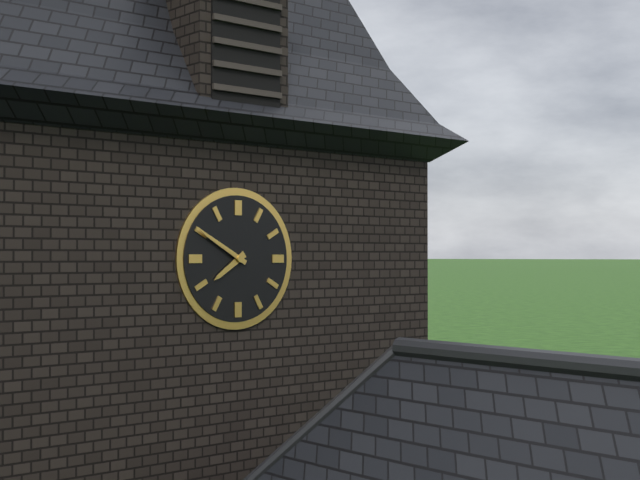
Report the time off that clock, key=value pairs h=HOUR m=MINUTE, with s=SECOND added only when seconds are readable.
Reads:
h=7 m=50
